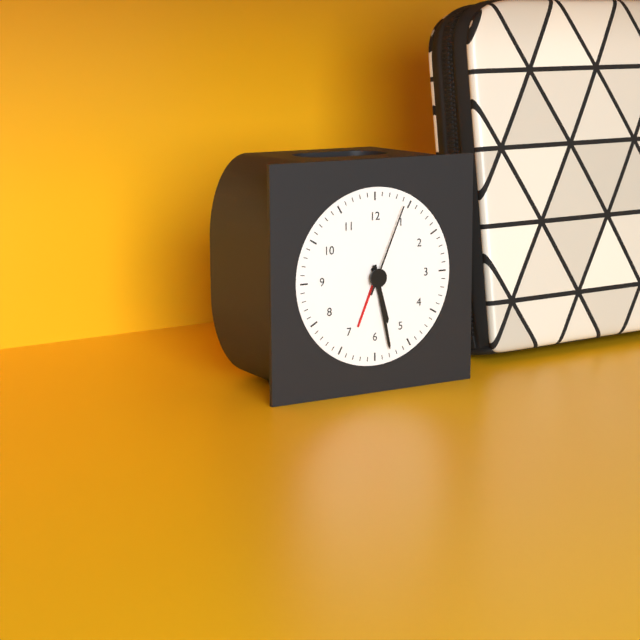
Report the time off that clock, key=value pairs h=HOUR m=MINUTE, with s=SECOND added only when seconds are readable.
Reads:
h=5 m=28 s=4
